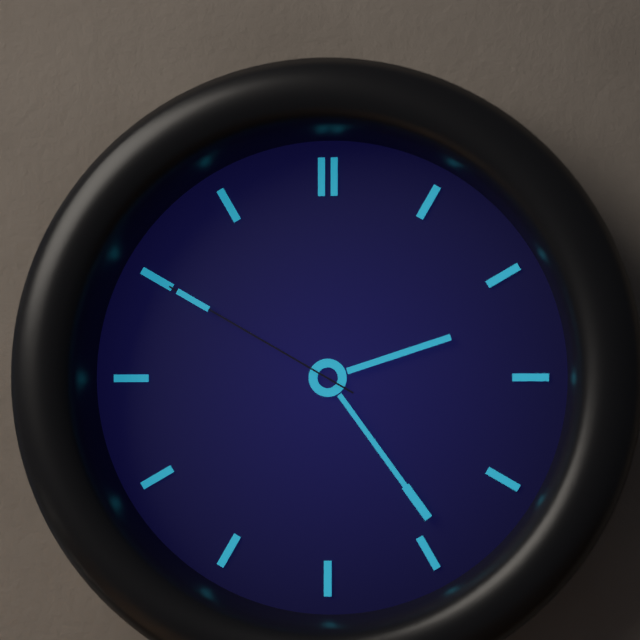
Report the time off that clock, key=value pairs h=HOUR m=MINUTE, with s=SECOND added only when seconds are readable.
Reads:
h=2 m=24 s=50
